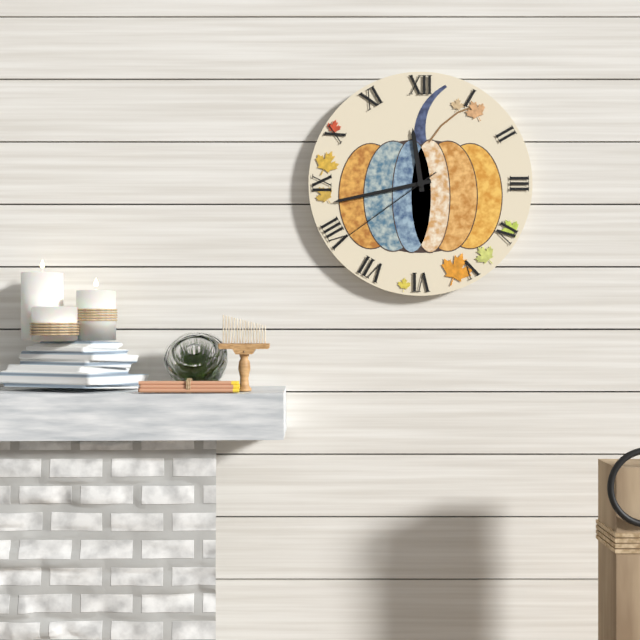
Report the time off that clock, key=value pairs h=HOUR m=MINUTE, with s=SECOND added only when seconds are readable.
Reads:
h=11 m=43 s=39
